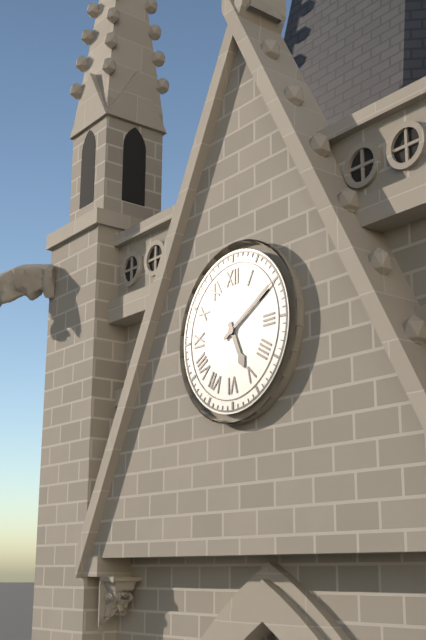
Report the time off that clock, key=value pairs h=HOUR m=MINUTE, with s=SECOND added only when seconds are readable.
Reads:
h=5 m=10
